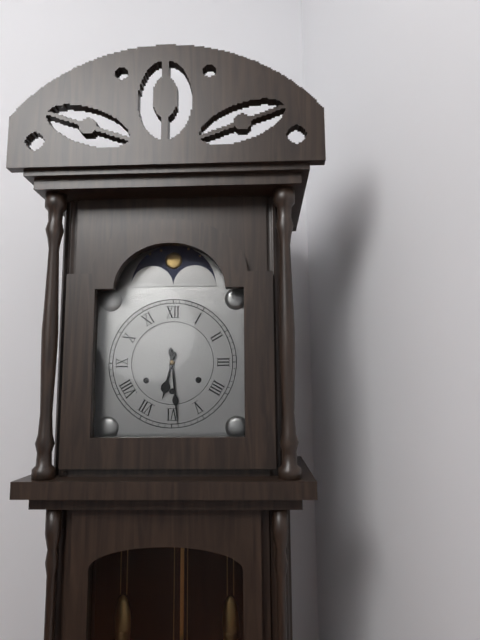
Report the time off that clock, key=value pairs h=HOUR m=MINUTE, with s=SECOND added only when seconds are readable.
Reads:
h=6 m=29
